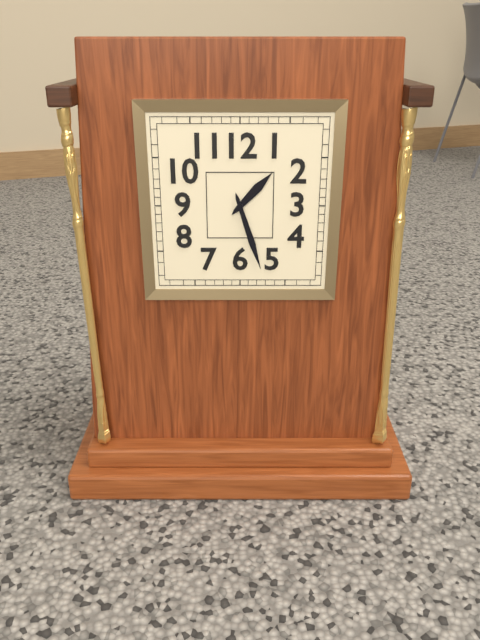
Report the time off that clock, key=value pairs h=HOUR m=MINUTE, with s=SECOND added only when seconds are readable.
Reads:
h=1 m=27
